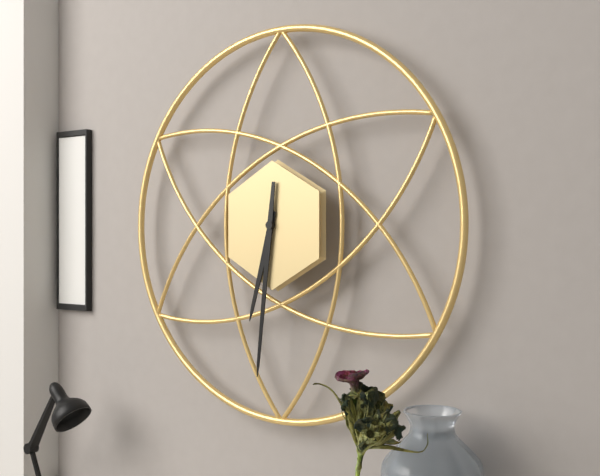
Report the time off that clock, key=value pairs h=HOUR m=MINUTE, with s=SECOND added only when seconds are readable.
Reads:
h=6 m=31
